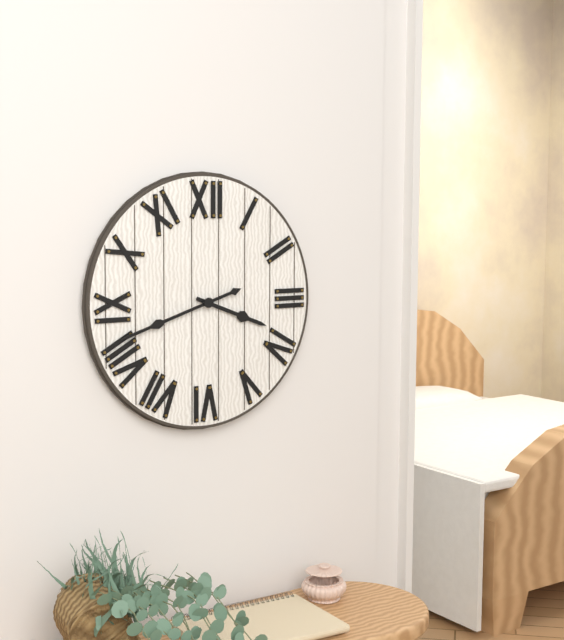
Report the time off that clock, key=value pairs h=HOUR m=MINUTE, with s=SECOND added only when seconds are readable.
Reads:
h=3 m=42
